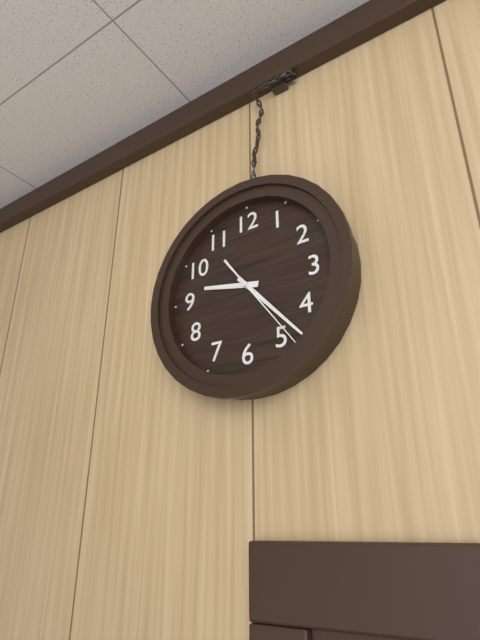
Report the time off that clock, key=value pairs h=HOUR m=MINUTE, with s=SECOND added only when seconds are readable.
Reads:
h=9 m=23 s=24
